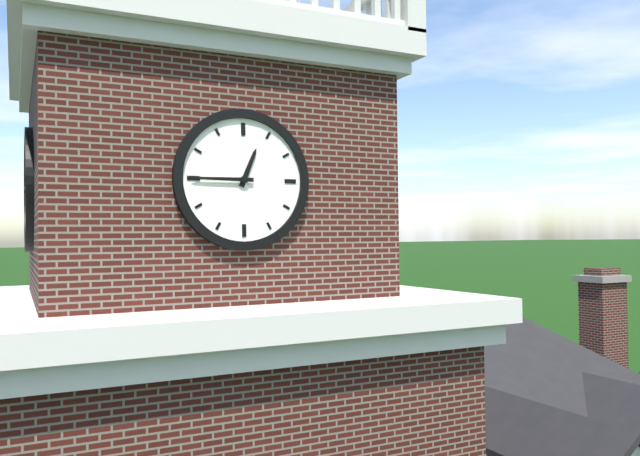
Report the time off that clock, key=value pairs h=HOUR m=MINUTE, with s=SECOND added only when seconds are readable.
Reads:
h=12 m=45
